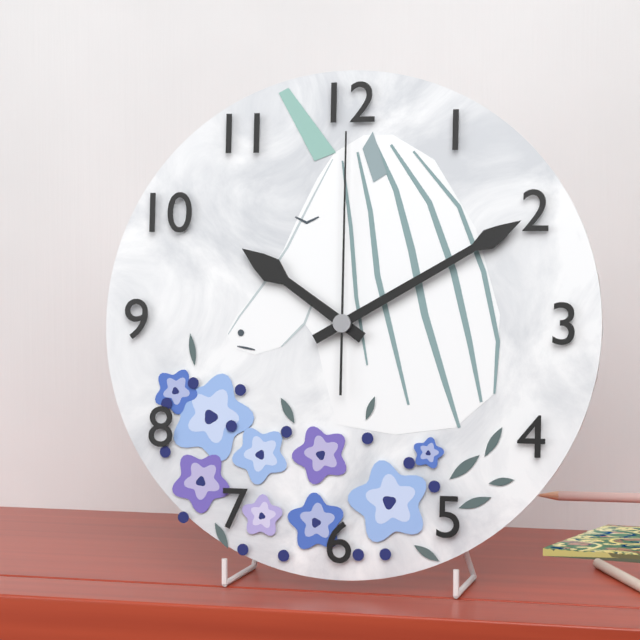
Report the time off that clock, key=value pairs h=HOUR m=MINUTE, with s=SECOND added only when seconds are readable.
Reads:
h=10 m=10 s=0
